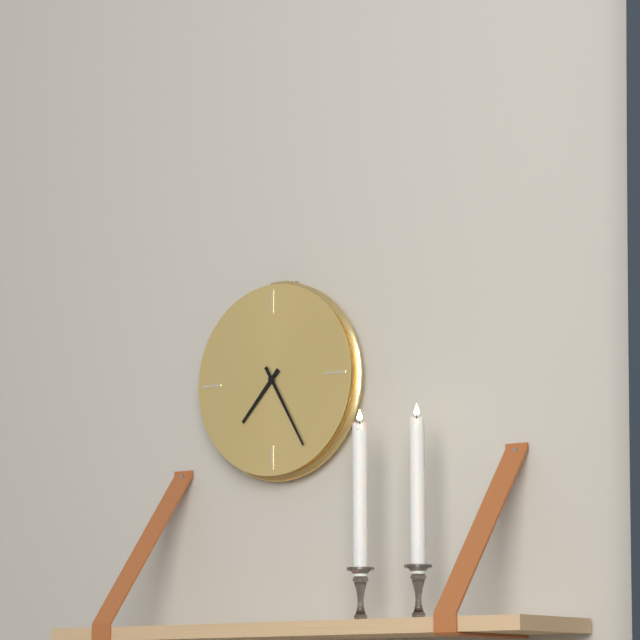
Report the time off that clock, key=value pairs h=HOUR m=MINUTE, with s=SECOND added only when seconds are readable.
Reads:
h=7 m=25
